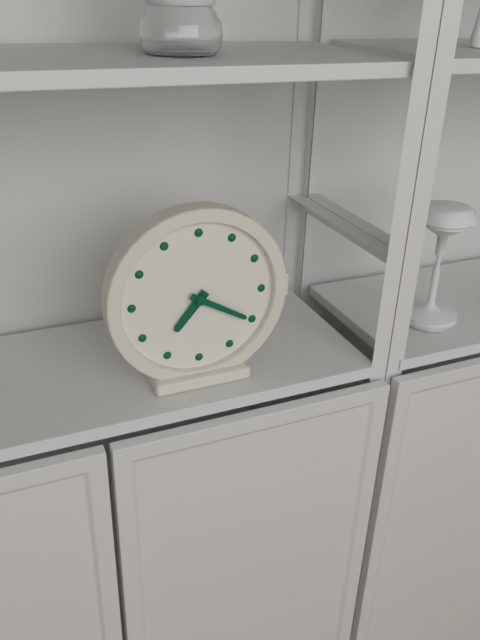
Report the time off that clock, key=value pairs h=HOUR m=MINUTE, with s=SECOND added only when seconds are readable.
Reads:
h=7 m=20
